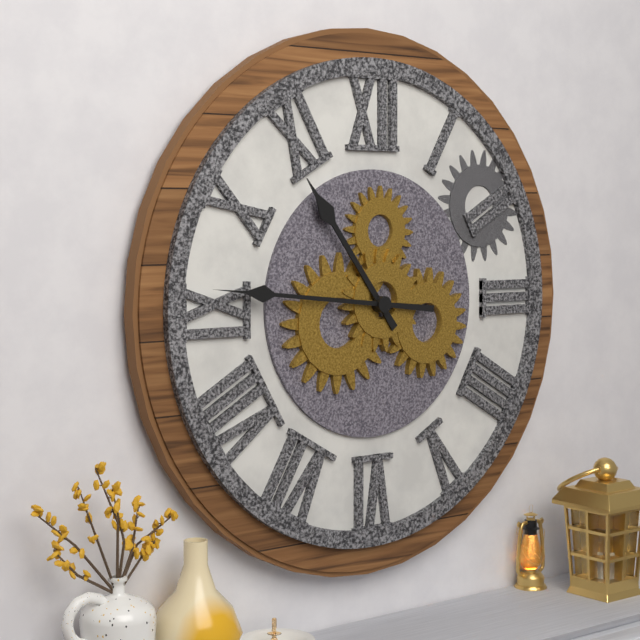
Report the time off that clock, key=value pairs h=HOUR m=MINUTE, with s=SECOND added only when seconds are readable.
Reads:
h=10 m=46
